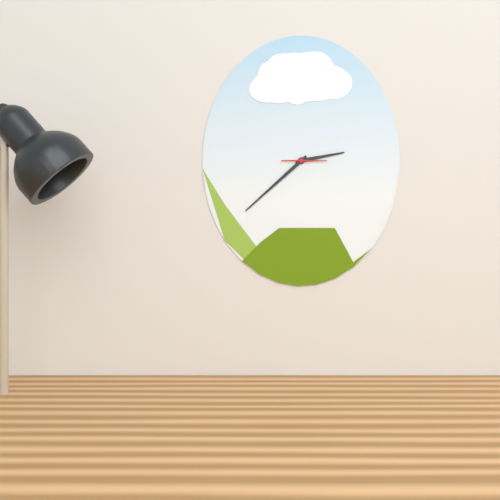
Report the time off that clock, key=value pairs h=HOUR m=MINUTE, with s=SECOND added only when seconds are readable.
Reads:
h=2 m=38
